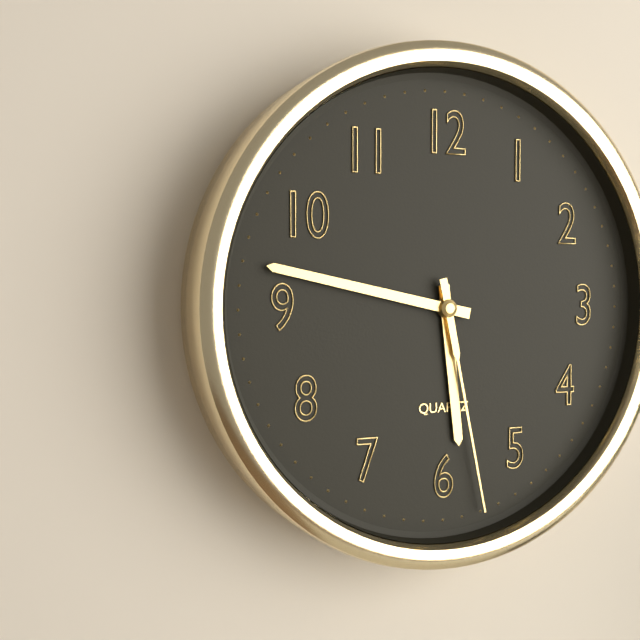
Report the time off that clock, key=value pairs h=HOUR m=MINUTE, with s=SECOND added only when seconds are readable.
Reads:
h=5 m=47 s=28
